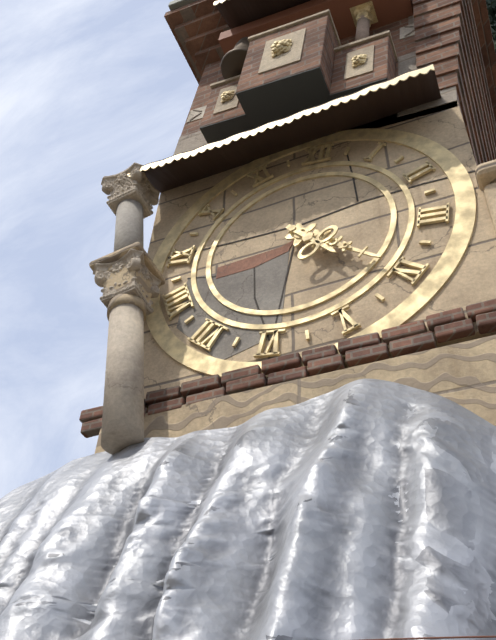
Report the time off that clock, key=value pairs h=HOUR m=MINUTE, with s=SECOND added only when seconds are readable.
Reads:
h=4 m=20
